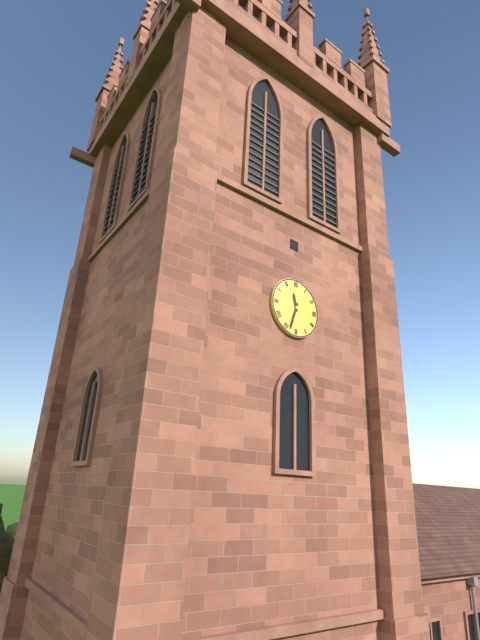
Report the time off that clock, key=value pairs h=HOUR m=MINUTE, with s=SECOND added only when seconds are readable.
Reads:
h=11 m=33
